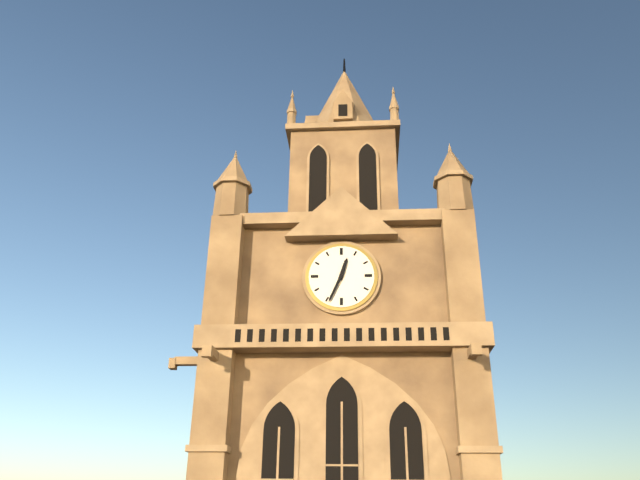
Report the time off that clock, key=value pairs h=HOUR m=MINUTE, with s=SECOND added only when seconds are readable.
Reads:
h=12 m=34
